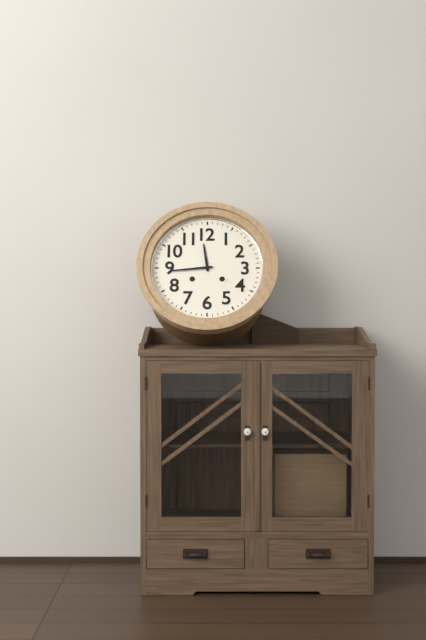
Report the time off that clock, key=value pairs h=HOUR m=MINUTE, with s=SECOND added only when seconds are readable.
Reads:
h=11 m=44
